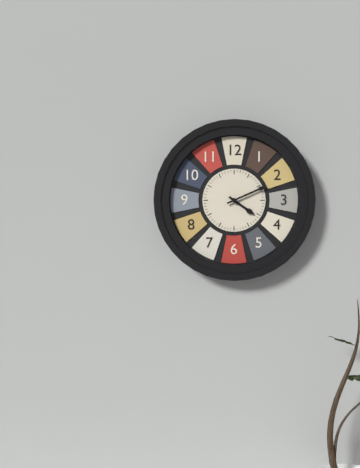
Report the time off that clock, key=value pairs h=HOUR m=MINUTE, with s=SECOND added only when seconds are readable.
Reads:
h=4 m=11
